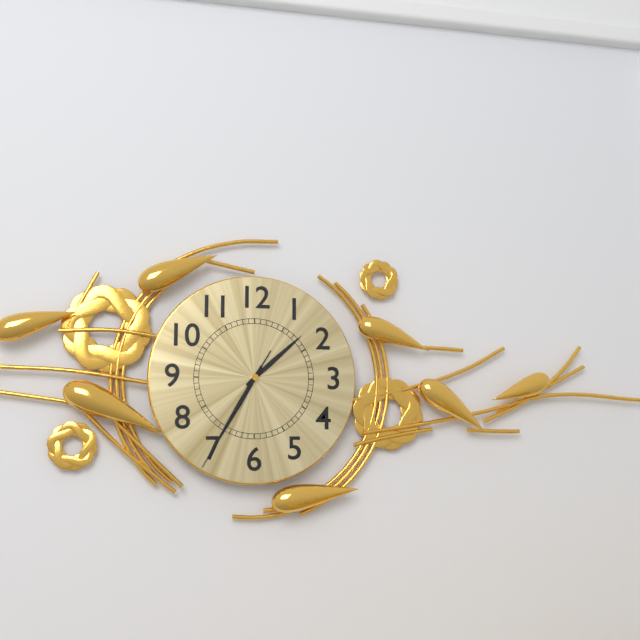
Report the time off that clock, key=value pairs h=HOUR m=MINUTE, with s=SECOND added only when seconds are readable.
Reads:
h=1 m=35 s=35
